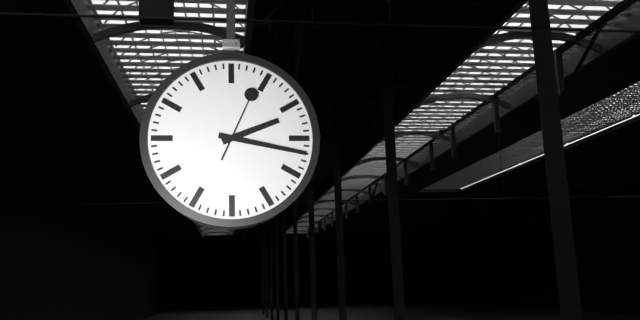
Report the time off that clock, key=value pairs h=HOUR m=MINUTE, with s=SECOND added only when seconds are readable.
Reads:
h=2 m=17 s=4
